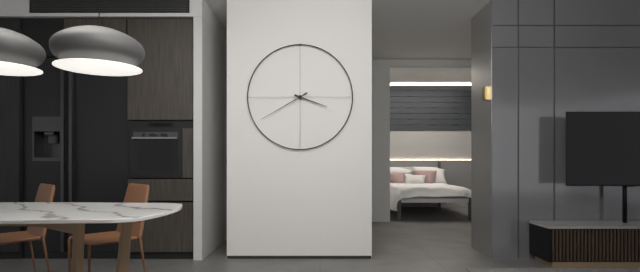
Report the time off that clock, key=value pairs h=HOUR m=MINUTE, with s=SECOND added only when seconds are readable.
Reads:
h=3 m=40
